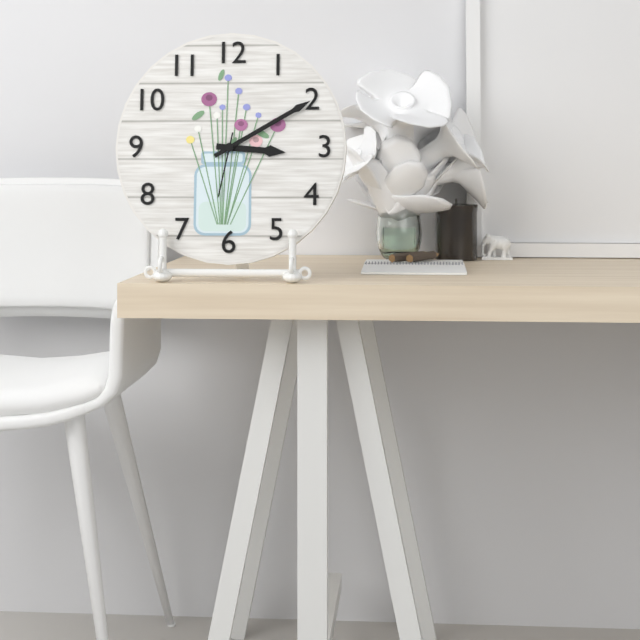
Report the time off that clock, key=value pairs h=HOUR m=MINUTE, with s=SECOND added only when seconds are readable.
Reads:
h=3 m=10 s=32
